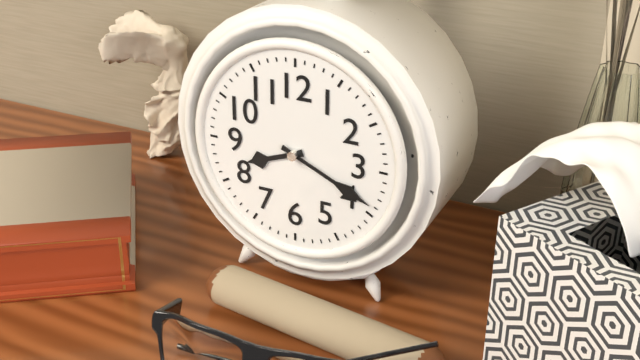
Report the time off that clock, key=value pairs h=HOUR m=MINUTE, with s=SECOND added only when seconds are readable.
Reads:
h=8 m=19
